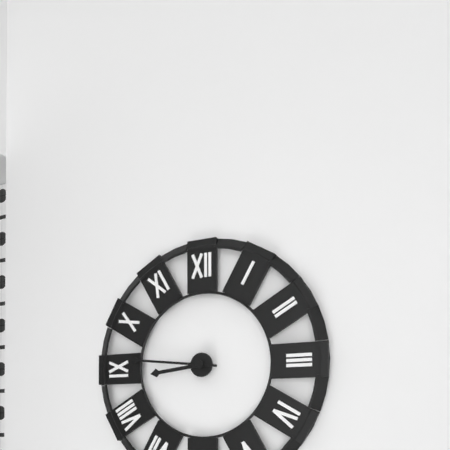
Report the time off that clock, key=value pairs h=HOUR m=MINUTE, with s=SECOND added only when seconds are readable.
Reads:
h=8 m=46
